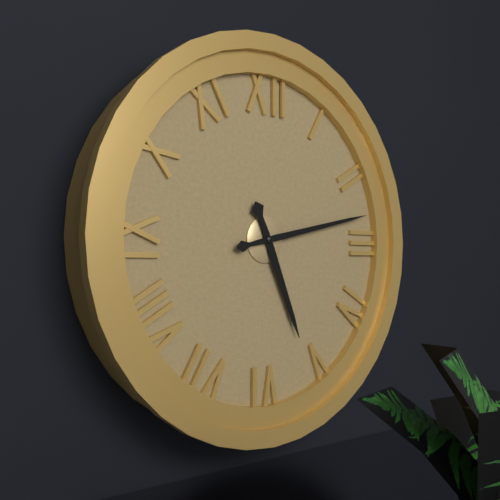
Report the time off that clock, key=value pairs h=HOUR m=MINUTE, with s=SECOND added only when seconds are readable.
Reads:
h=5 m=13
